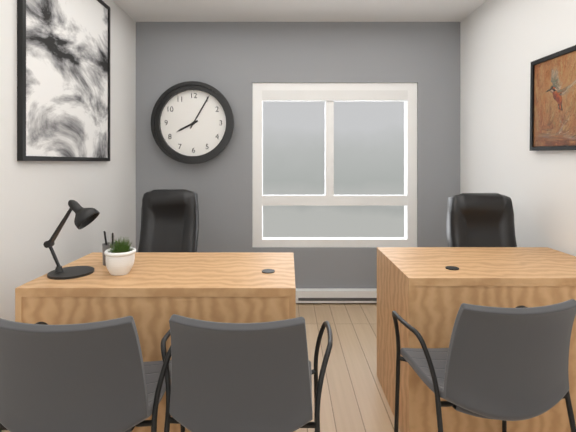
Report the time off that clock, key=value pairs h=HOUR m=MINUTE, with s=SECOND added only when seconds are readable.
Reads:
h=8 m=5
